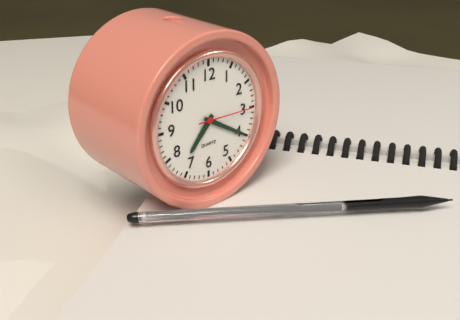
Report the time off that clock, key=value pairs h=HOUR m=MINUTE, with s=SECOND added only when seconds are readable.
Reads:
h=7 m=20 s=15
